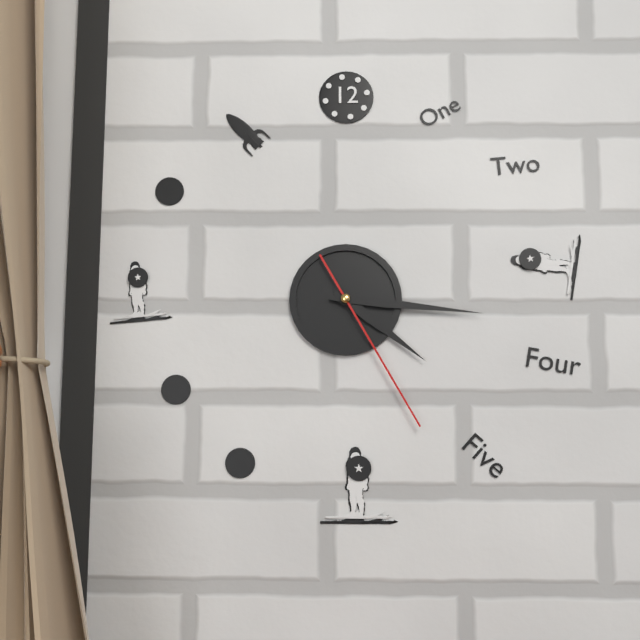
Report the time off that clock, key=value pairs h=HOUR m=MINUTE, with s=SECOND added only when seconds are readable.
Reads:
h=4 m=16 s=25
